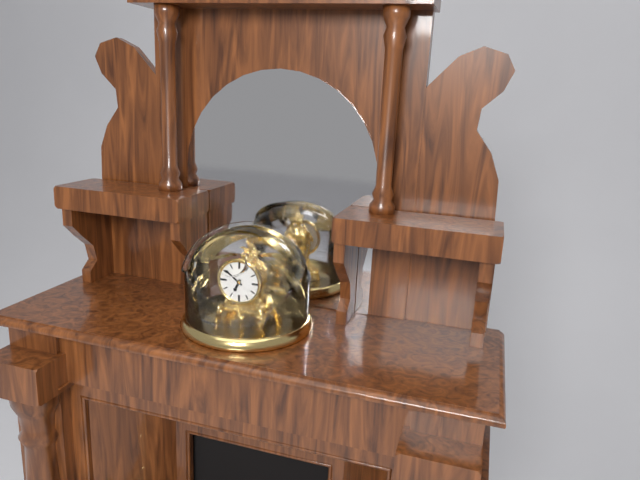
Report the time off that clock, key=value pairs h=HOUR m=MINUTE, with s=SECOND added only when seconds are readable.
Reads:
h=6 m=51
